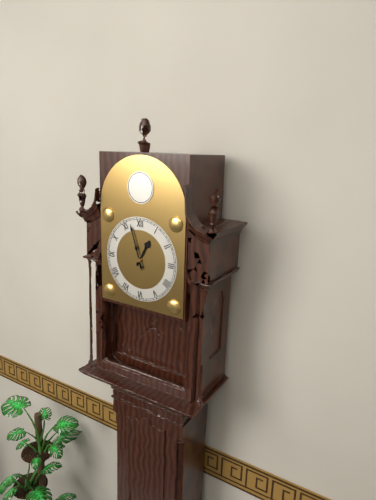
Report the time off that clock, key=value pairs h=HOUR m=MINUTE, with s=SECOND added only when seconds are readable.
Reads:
h=12 m=57
